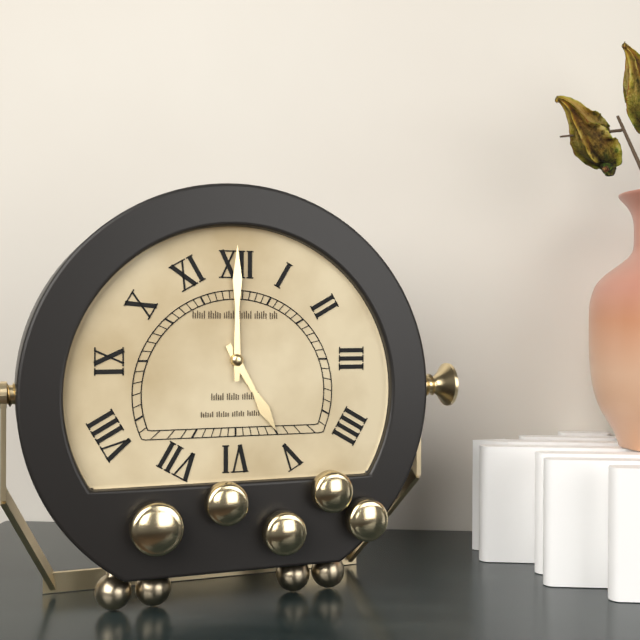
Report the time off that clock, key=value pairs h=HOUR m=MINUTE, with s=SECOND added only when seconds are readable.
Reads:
h=5 m=0
